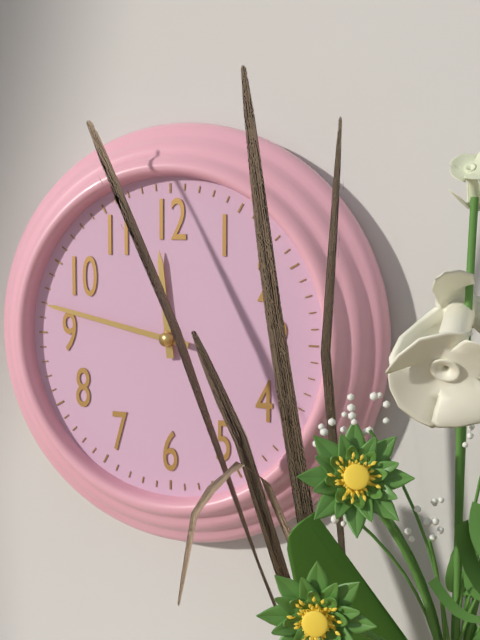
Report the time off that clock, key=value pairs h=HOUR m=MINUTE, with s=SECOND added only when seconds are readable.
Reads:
h=11 m=47
